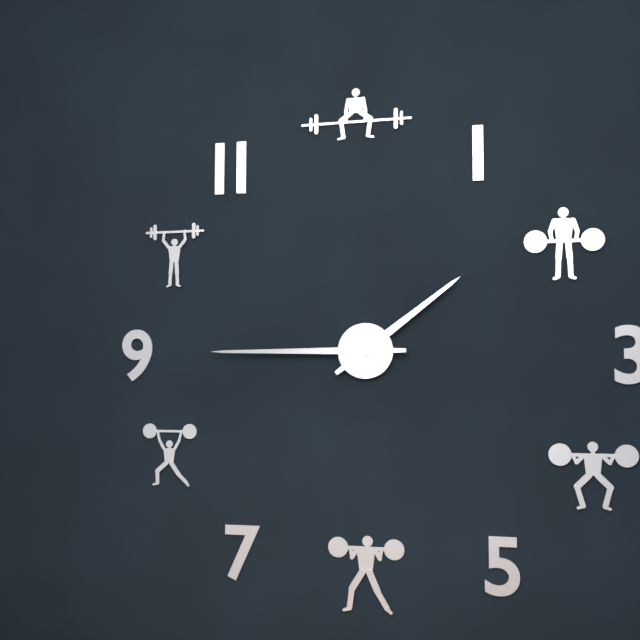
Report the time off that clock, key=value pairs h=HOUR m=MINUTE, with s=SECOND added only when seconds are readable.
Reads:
h=1 m=45
